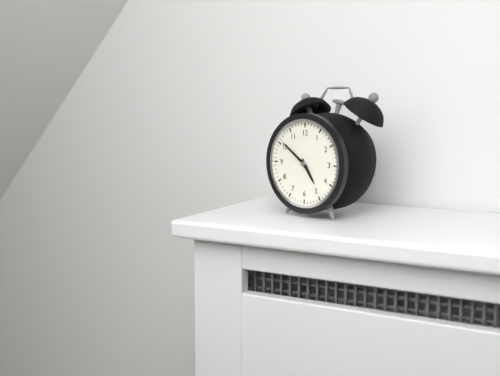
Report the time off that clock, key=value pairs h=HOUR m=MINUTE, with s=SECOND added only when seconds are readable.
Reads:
h=4 m=51
